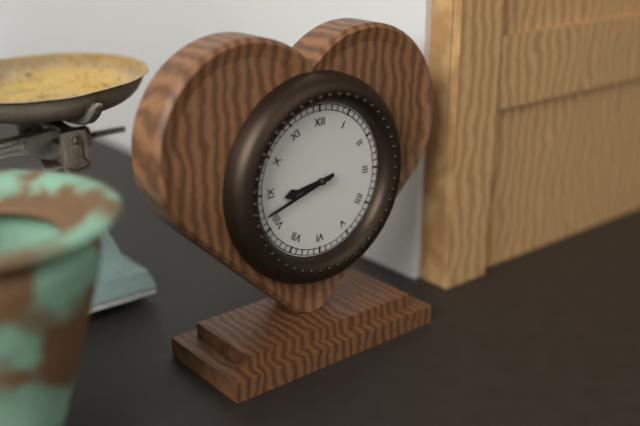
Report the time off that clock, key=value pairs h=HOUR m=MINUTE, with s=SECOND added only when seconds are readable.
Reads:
h=8 m=42
